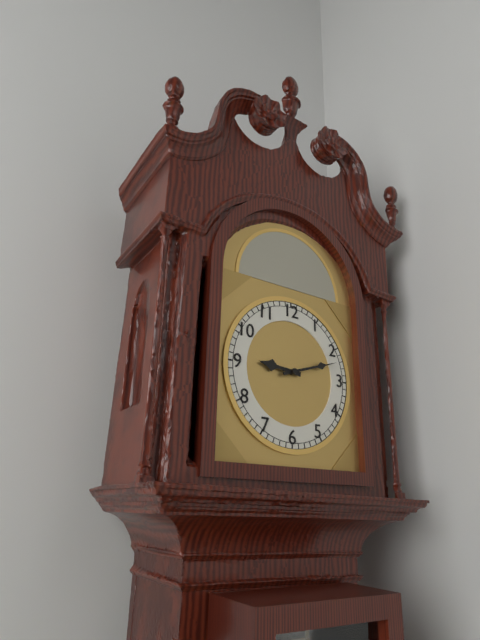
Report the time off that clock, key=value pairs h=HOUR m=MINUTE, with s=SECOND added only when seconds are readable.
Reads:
h=9 m=12
